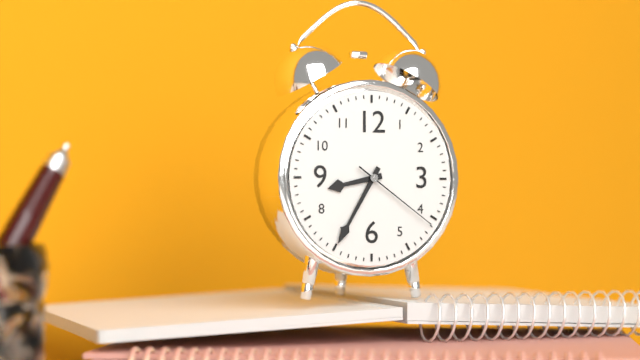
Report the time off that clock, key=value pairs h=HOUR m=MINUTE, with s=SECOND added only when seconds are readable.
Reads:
h=8 m=35 s=21
